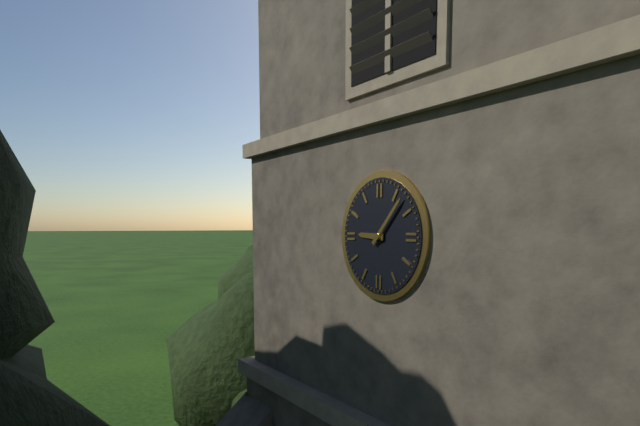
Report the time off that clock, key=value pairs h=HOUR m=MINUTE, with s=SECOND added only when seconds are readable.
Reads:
h=9 m=7
